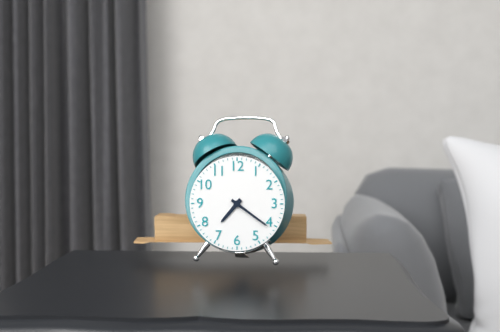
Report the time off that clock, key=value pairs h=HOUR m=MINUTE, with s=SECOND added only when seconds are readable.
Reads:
h=7 m=21
